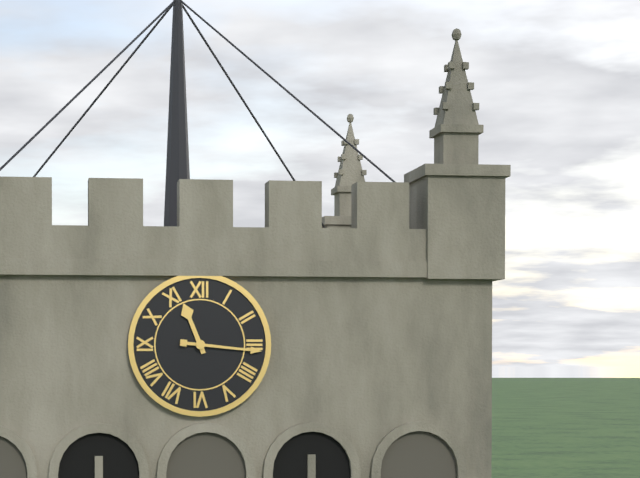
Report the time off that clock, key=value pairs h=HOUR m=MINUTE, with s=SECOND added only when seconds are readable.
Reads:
h=11 m=16
